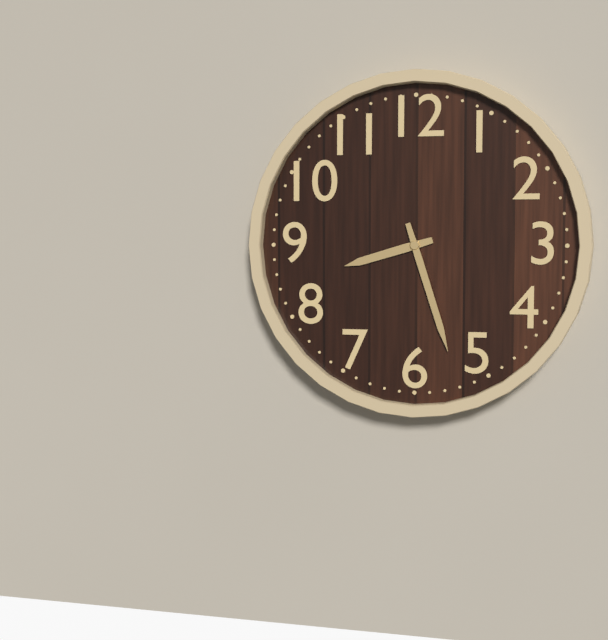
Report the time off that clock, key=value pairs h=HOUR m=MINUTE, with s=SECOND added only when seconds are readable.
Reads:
h=8 m=27
